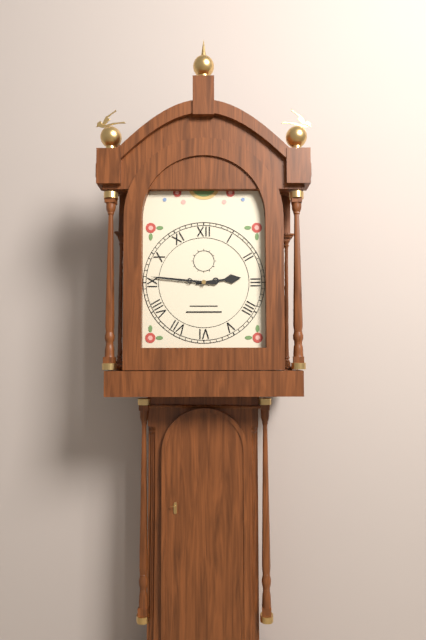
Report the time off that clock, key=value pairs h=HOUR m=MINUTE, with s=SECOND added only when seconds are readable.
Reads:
h=2 m=46
